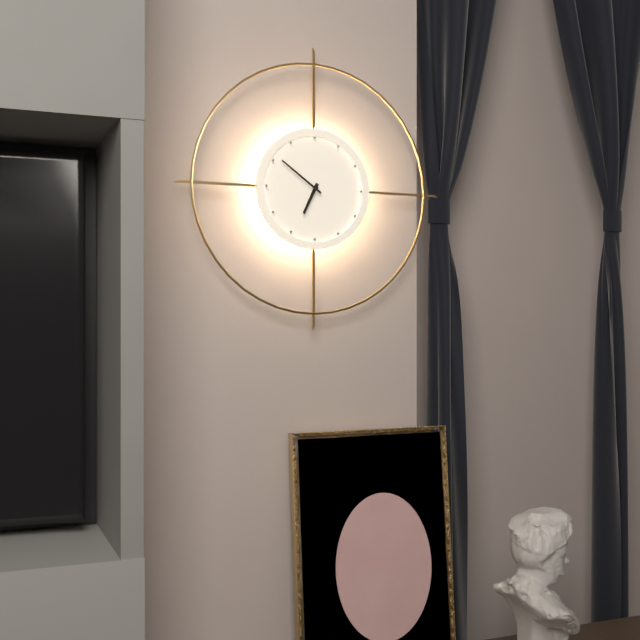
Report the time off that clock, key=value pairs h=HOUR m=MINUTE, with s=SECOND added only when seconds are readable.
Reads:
h=6 m=51
